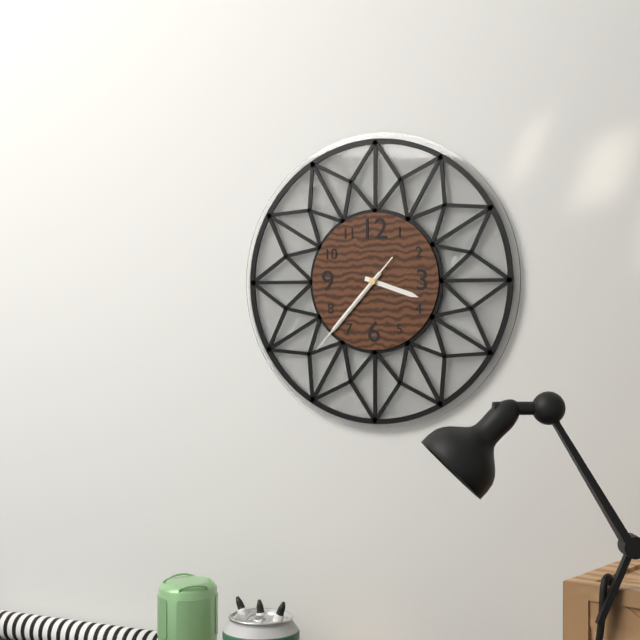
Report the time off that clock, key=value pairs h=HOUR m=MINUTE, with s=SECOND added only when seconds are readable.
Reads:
h=3 m=37 s=37
